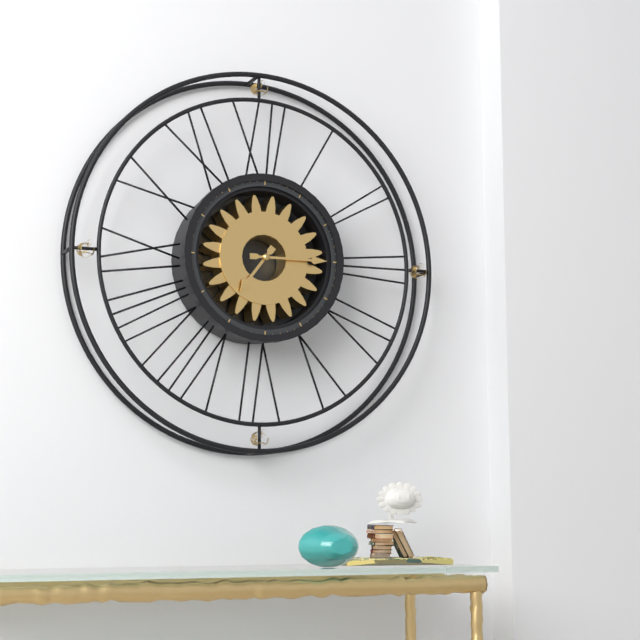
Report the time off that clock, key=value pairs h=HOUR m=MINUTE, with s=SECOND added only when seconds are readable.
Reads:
h=7 m=15
